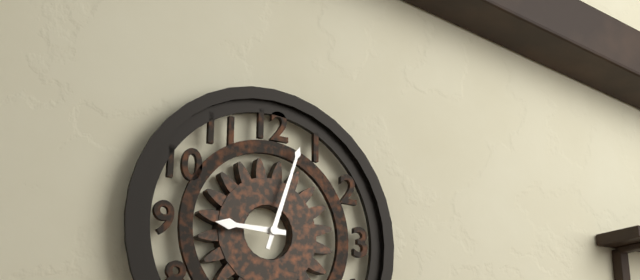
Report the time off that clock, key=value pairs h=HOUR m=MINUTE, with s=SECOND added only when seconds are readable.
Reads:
h=9 m=3
